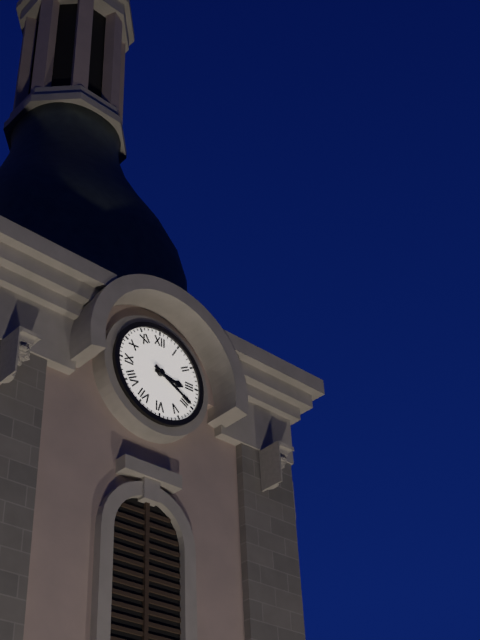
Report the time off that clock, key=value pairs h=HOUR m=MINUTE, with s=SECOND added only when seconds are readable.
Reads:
h=3 m=20
